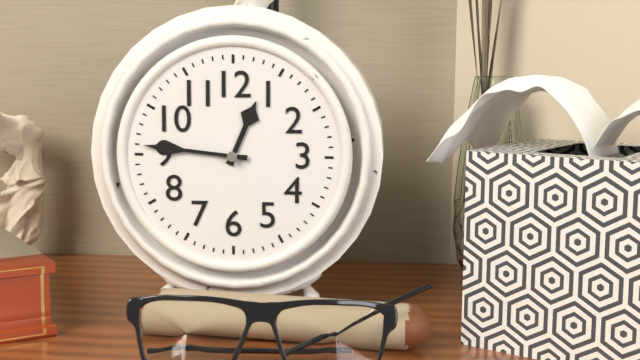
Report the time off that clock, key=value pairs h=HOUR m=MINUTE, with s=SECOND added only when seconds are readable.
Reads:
h=12 m=46
